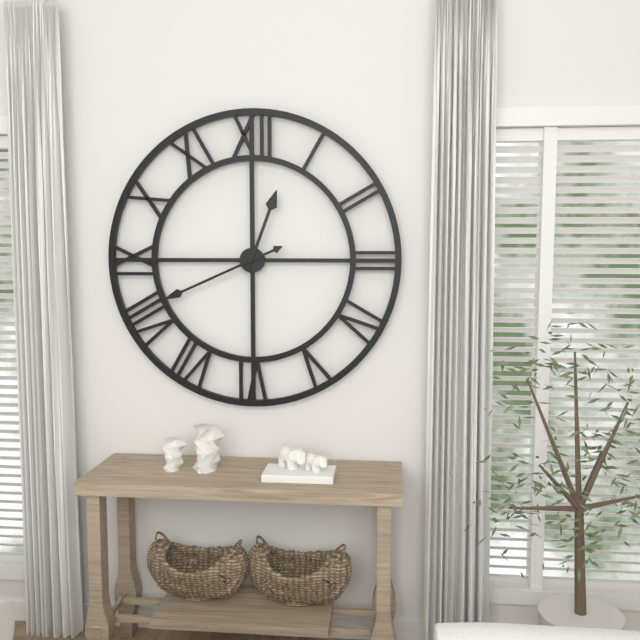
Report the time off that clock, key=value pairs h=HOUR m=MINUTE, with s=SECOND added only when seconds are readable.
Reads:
h=12 m=41
